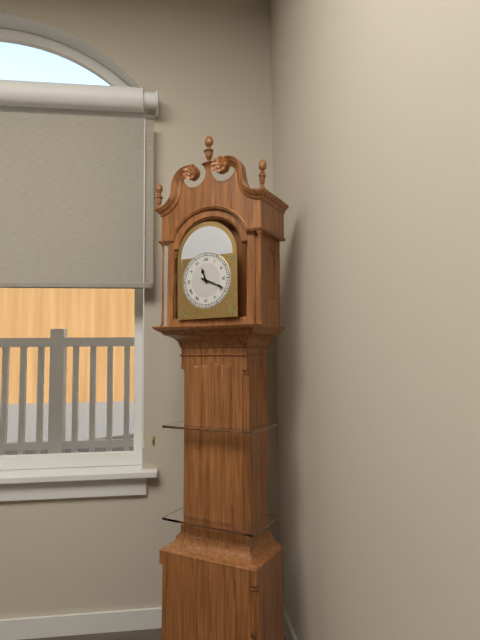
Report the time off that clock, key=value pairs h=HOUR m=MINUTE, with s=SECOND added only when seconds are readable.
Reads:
h=11 m=19
